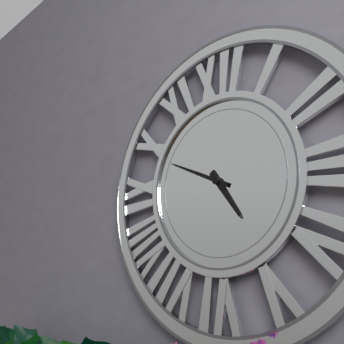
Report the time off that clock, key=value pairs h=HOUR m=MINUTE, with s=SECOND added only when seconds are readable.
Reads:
h=4 m=49
